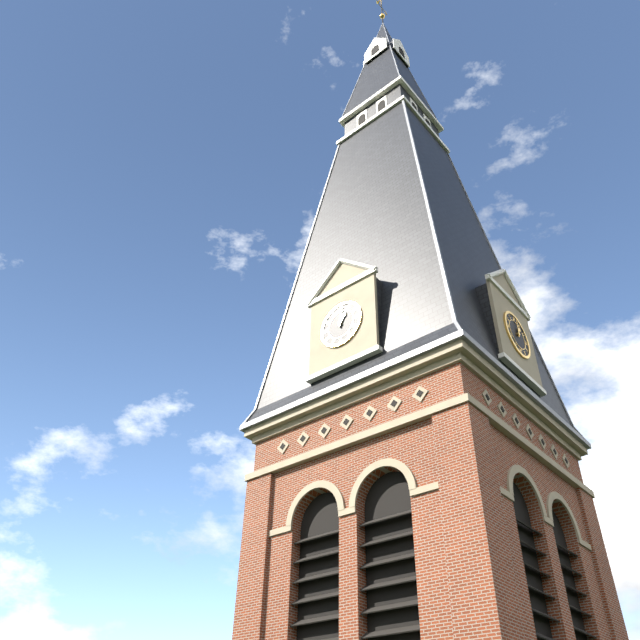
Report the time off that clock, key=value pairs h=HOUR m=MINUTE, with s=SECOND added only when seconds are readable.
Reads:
h=1 m=1
